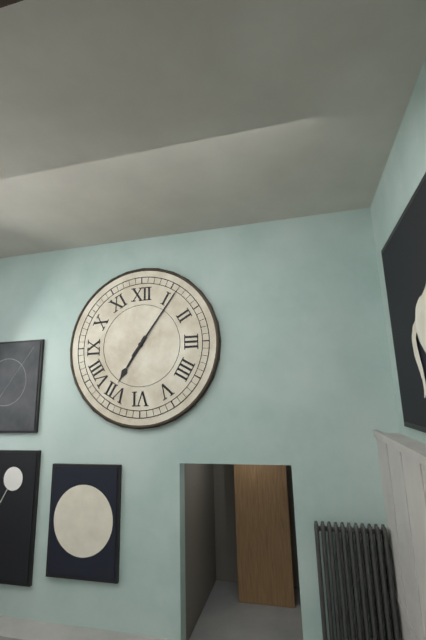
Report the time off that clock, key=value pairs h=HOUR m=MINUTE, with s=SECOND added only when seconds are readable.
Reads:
h=7 m=6
